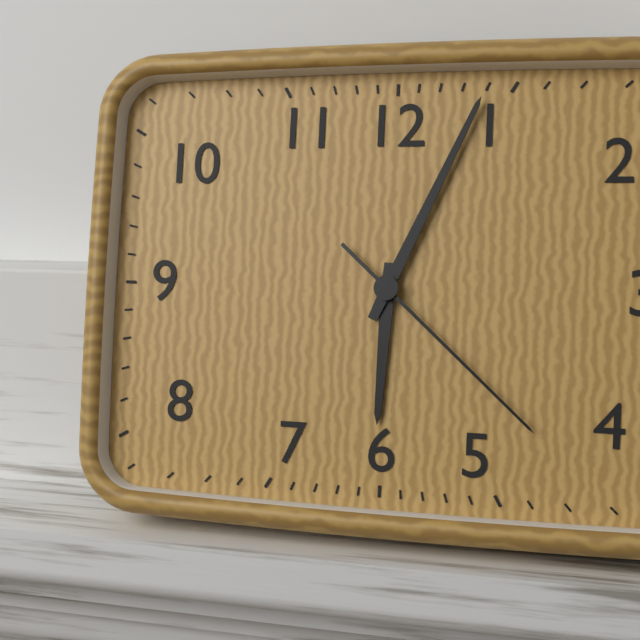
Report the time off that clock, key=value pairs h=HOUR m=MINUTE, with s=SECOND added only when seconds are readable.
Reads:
h=6 m=4 s=22
